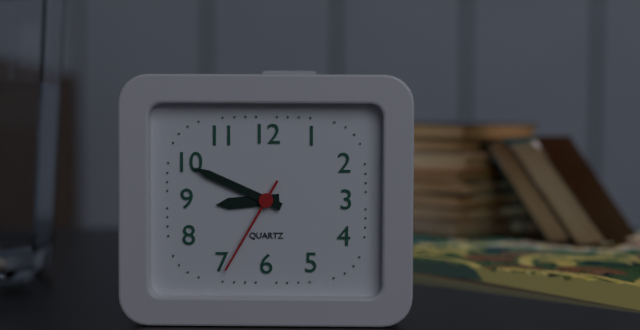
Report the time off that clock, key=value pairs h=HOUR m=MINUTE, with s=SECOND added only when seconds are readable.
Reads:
h=8 m=49 s=35
